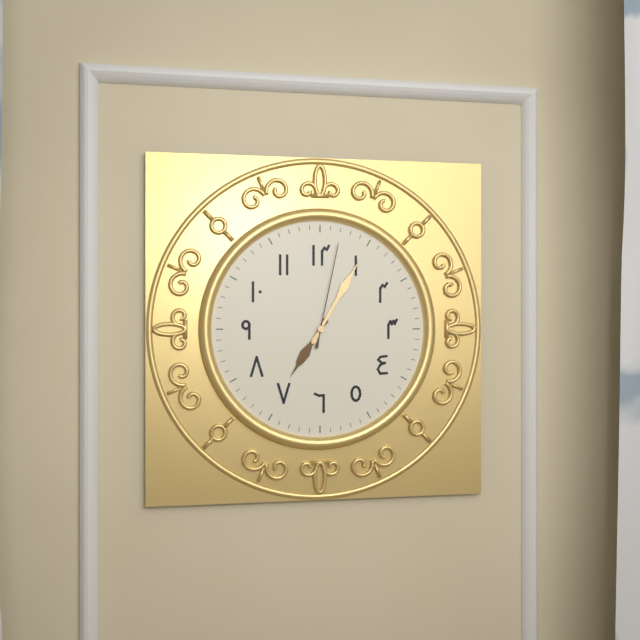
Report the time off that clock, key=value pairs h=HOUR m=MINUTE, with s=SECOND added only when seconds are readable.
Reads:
h=7 m=5 s=2
